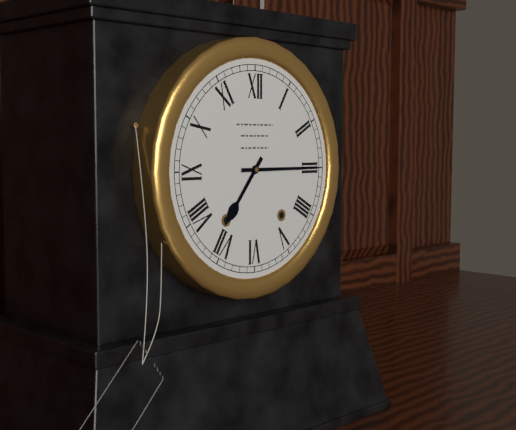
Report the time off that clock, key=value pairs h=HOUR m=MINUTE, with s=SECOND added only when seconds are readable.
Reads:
h=7 m=15
